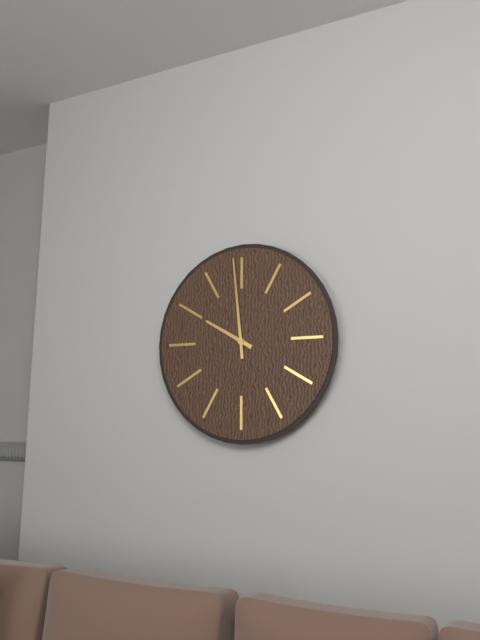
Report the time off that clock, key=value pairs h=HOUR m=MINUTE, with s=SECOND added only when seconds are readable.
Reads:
h=9 m=59
